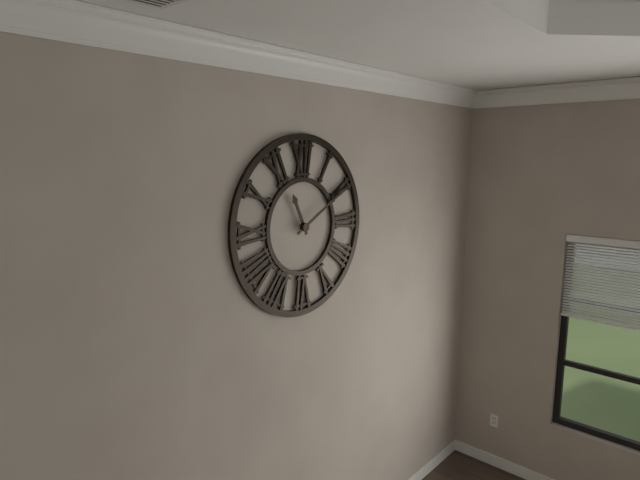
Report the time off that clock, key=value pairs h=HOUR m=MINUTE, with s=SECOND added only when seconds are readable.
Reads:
h=11 m=10
